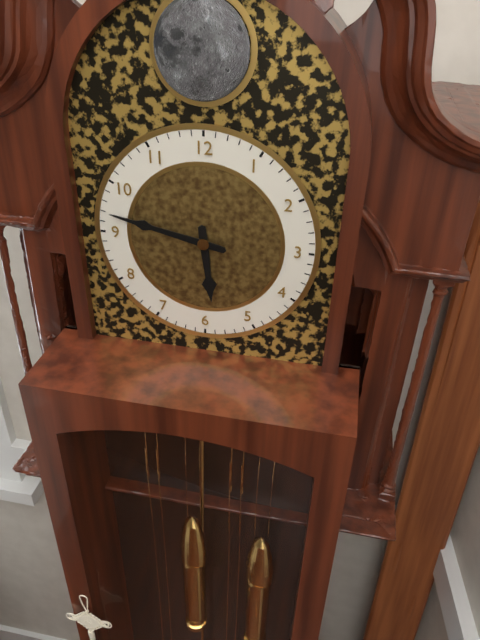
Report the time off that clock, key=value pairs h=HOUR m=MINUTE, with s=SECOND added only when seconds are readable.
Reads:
h=5 m=47
